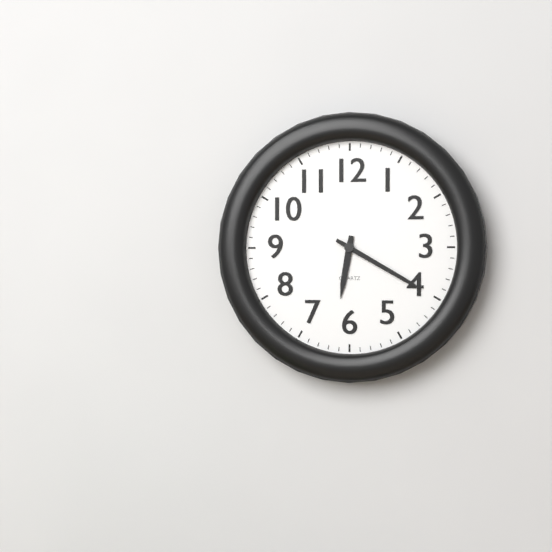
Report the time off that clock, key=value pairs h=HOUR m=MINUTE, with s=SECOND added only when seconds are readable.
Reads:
h=6 m=20
